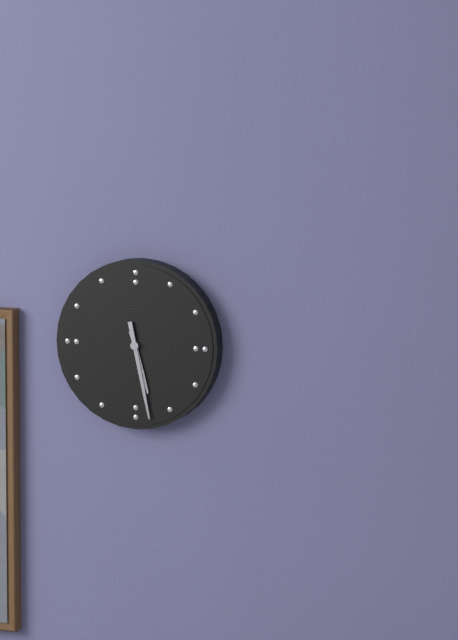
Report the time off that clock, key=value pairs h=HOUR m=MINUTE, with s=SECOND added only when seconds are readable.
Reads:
h=5 m=28
